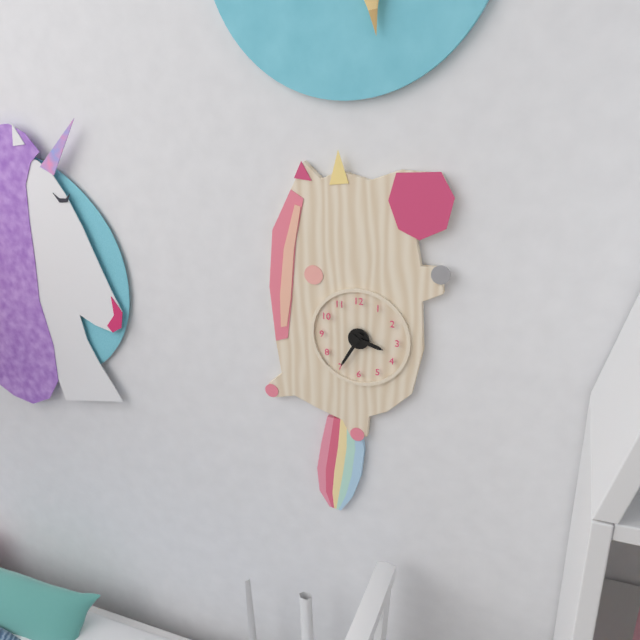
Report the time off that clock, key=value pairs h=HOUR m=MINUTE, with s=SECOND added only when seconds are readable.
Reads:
h=3 m=35
